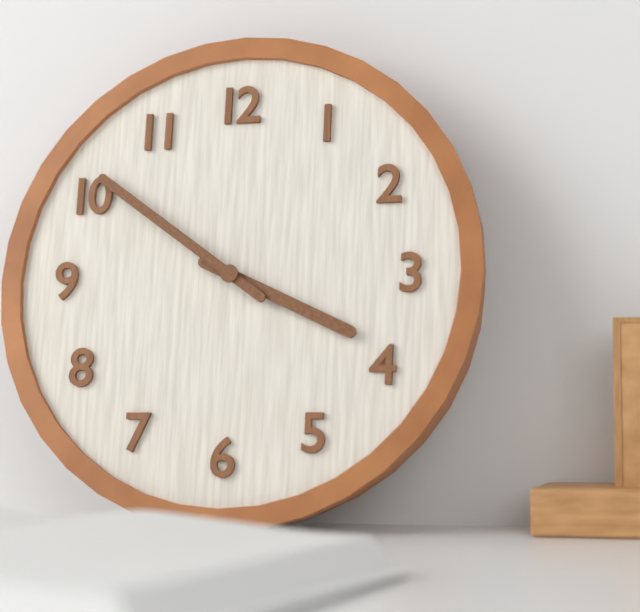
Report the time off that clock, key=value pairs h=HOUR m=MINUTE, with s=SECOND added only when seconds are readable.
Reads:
h=3 m=51
